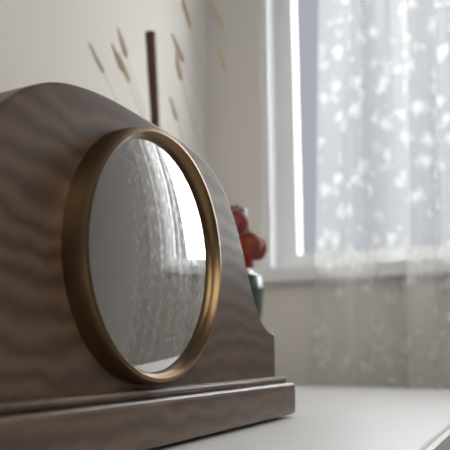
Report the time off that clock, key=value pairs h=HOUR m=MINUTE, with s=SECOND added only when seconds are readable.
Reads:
h=2 m=17
